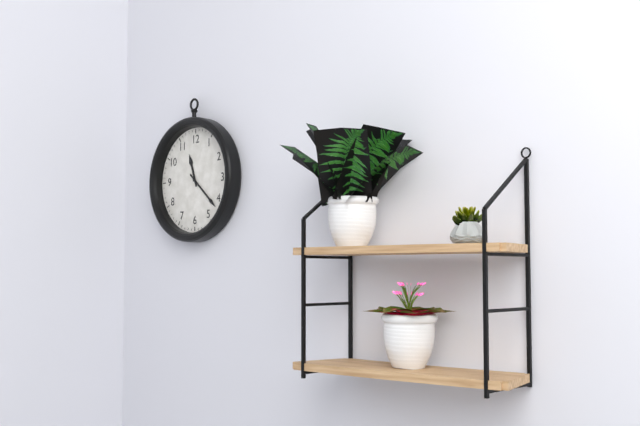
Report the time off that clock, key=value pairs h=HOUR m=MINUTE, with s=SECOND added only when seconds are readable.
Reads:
h=11 m=22
